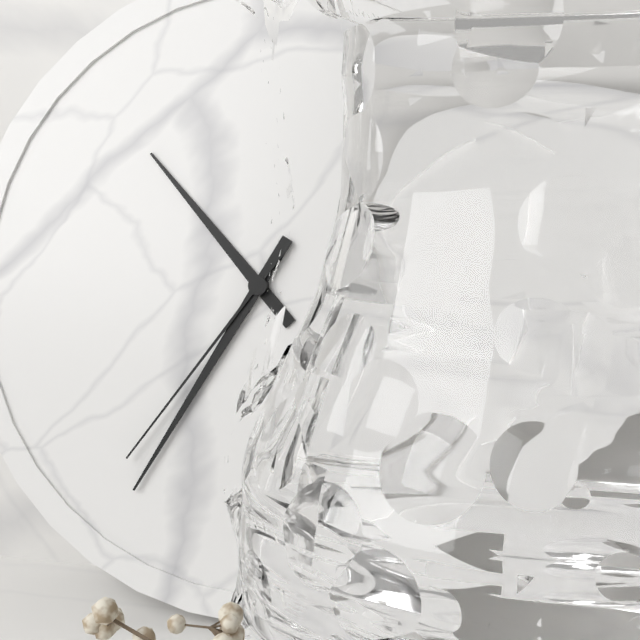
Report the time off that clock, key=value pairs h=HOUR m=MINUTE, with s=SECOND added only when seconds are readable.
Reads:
h=10 m=35 s=36
